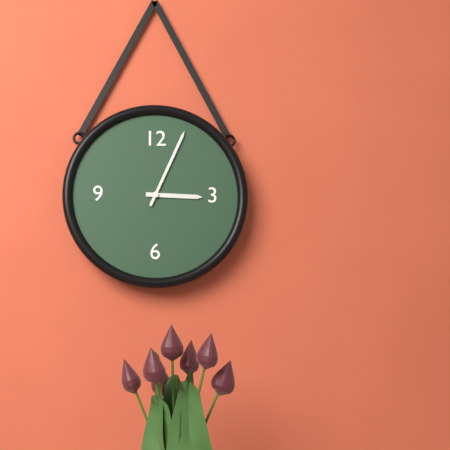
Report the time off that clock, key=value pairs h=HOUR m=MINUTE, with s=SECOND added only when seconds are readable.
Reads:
h=3 m=4
